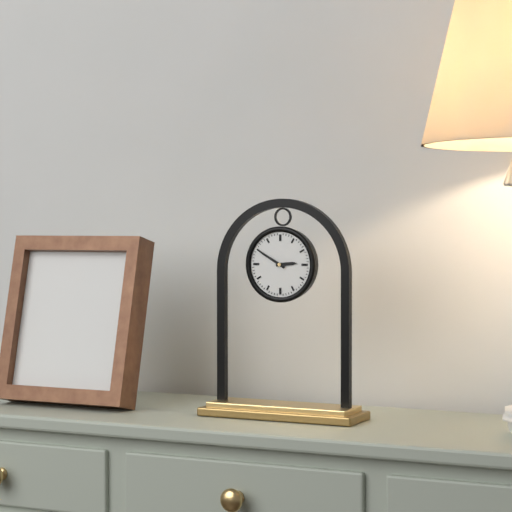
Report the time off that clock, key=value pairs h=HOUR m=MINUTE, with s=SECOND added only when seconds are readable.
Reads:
h=2 m=50
